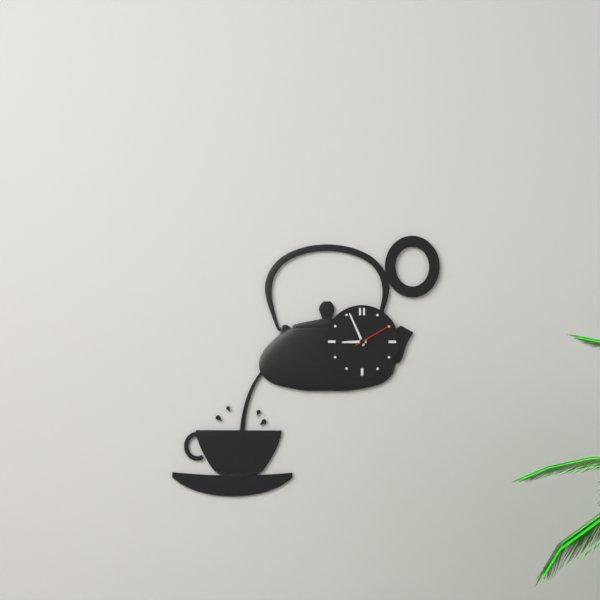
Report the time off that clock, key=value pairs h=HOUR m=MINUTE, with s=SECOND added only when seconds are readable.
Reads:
h=8 m=56
